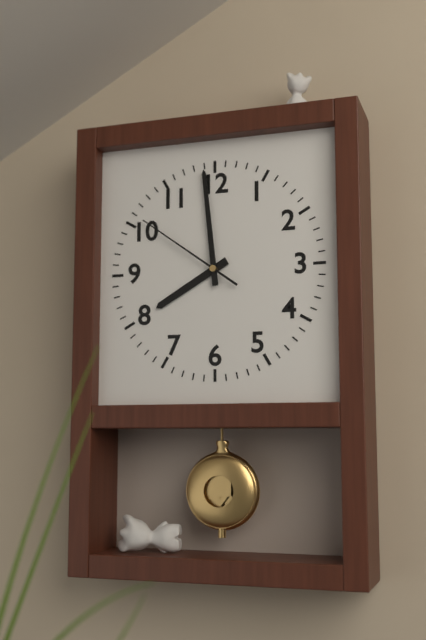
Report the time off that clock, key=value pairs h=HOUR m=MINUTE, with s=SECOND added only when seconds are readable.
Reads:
h=7 m=59 s=51
